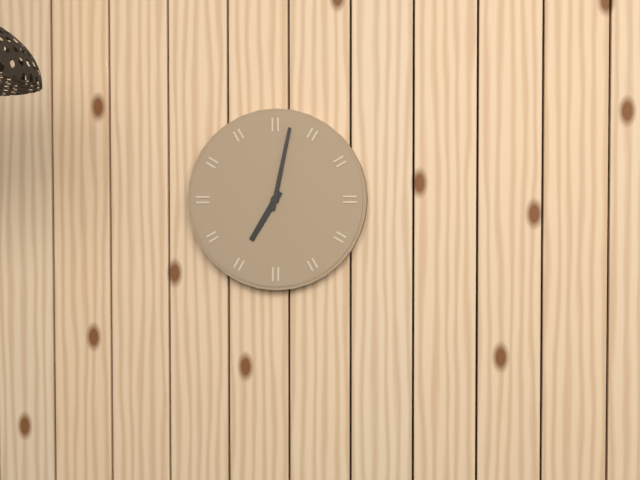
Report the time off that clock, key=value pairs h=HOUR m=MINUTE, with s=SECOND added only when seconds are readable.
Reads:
h=7 m=2
